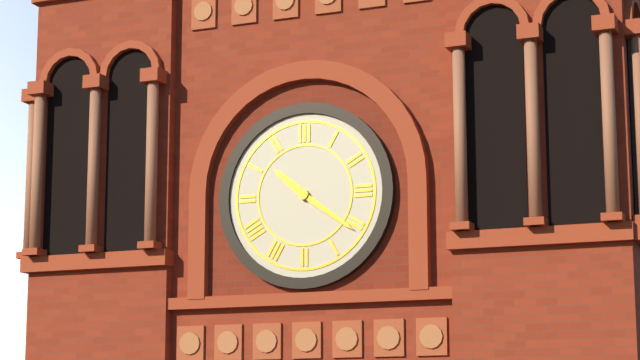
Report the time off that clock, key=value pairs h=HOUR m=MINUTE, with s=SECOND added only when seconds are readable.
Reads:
h=10 m=21
